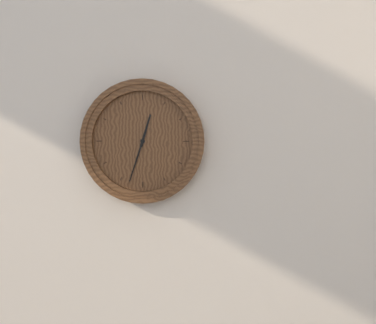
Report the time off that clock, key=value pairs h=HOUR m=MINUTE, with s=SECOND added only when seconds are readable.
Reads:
h=12 m=33
